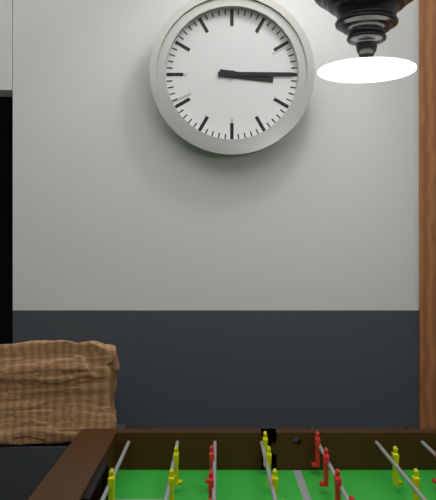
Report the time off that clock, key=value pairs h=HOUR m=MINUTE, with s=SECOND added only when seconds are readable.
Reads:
h=3 m=15
